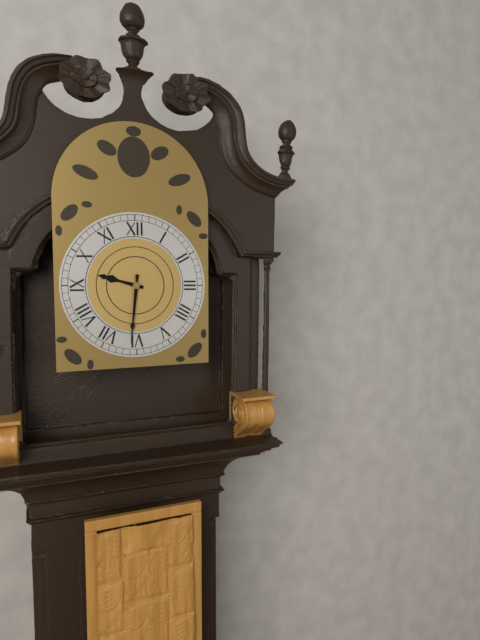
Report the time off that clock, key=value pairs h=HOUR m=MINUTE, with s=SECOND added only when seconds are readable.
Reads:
h=9 m=31
